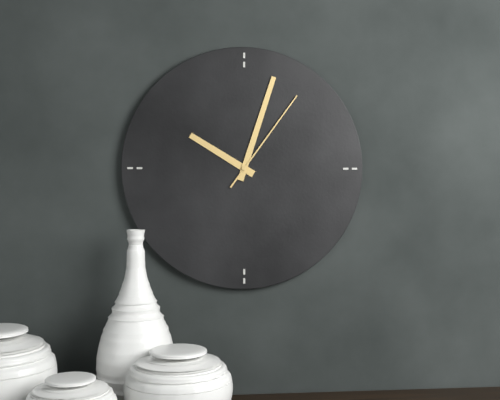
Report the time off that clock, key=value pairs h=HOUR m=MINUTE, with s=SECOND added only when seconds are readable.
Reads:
h=10 m=3 s=6
